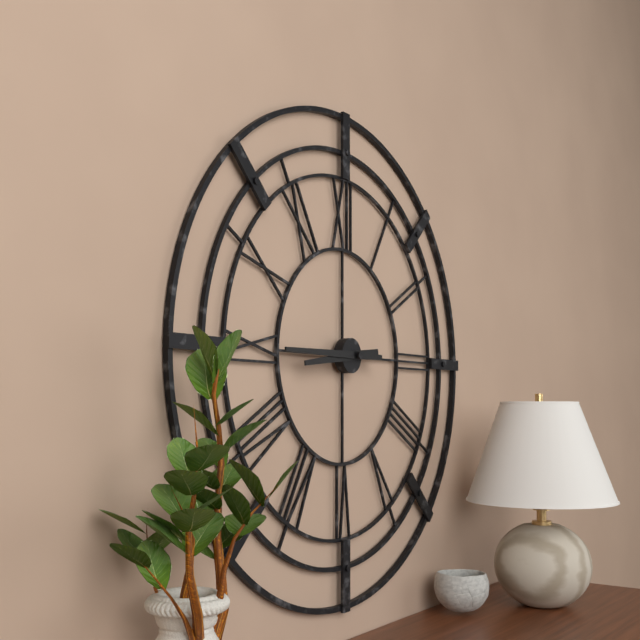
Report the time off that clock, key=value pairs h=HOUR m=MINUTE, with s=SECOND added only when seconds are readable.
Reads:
h=8 m=45
